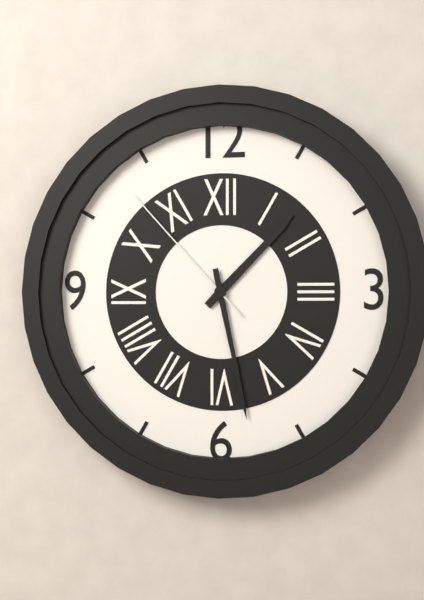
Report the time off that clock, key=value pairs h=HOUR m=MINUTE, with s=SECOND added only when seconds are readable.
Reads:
h=1 m=28 s=53
